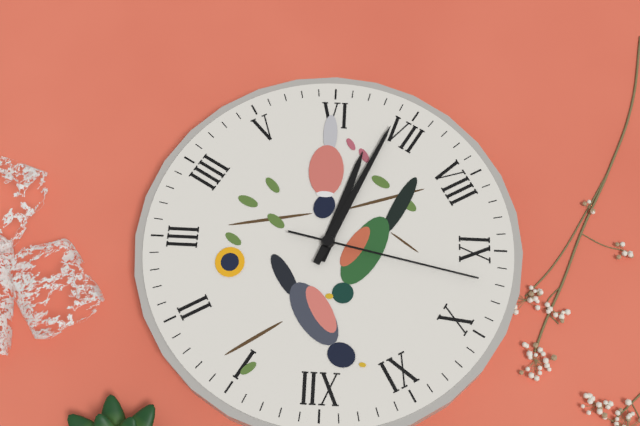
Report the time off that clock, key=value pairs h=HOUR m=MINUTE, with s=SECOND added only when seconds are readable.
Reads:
h=6 m=34 s=47
